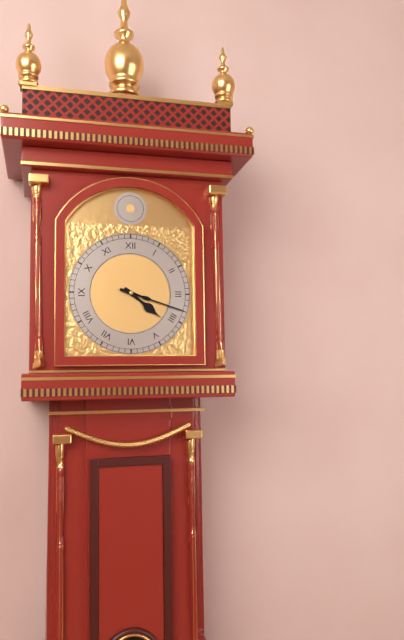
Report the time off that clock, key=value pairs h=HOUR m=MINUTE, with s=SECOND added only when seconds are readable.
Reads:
h=4 m=18
